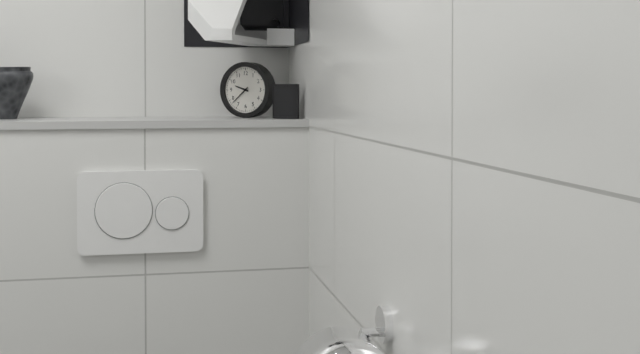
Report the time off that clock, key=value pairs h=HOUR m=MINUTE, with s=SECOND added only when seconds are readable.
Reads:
h=9 m=38
